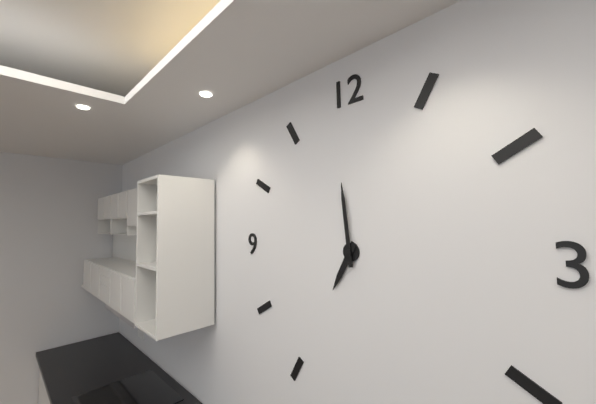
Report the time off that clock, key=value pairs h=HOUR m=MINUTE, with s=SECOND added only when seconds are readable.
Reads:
h=6 m=59
